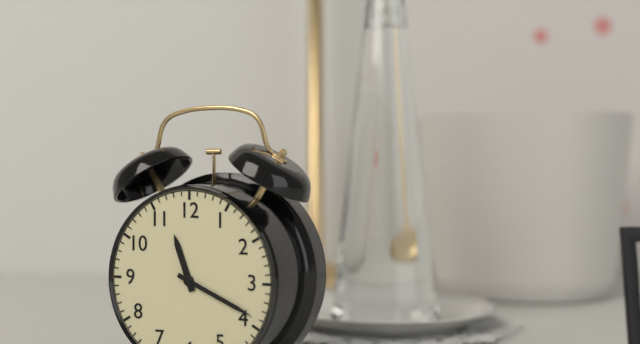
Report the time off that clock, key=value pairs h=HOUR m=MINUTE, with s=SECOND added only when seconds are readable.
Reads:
h=11 m=19
